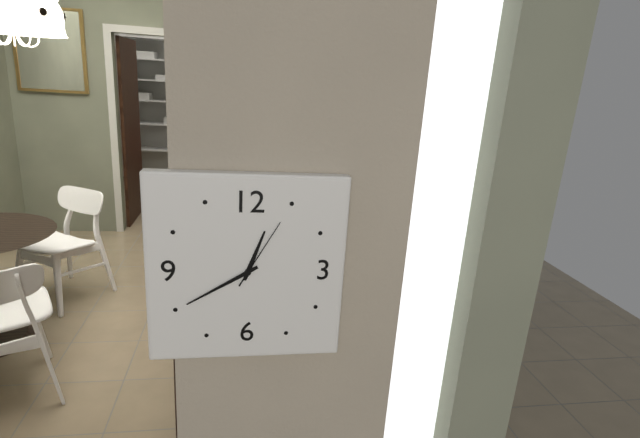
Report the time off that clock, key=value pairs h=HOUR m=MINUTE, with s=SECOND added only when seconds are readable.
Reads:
h=12 m=40 s=5
